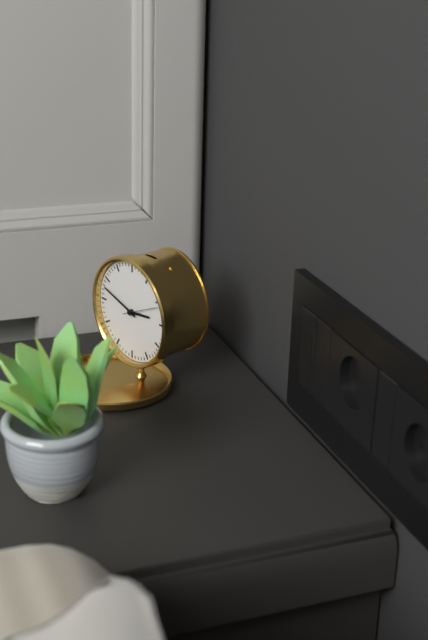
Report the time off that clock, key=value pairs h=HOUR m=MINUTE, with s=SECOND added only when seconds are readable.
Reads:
h=2 m=48
